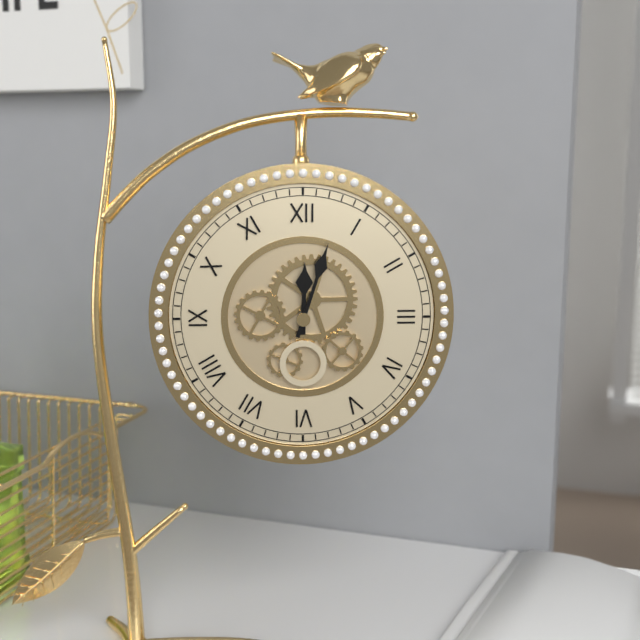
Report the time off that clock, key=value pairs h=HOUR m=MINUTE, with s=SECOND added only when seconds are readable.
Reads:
h=12 m=3
